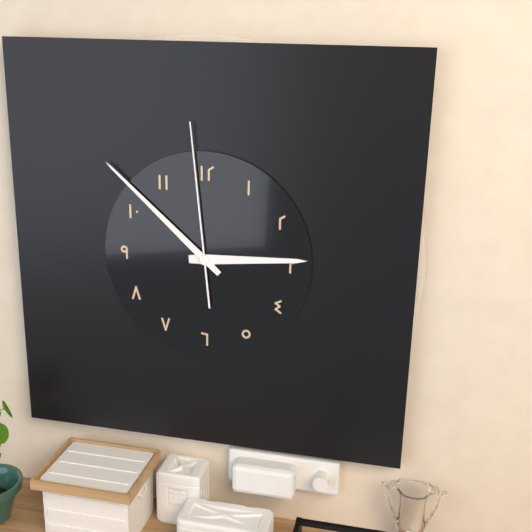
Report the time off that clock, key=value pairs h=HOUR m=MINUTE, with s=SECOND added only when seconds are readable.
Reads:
h=2 m=52 s=59
